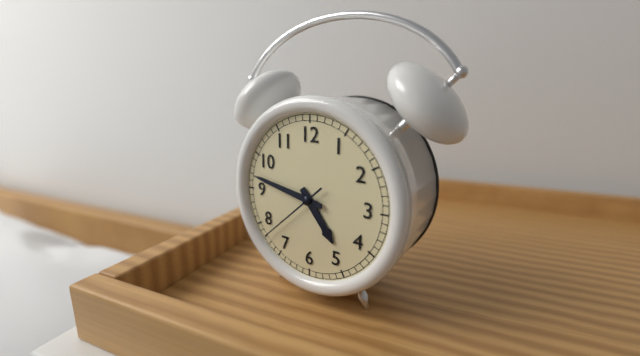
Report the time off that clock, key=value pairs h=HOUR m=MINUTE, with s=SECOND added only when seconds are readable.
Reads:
h=4 m=47 s=38
